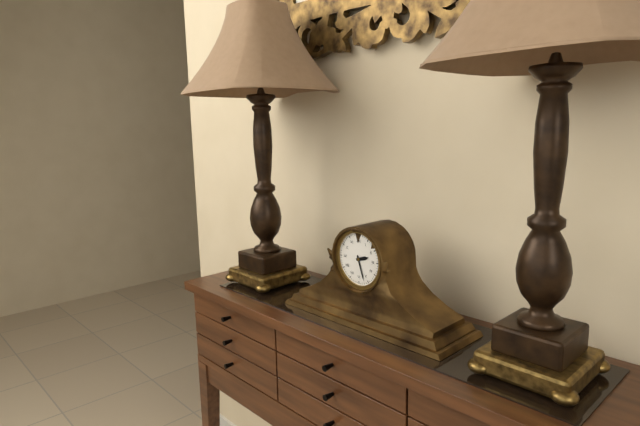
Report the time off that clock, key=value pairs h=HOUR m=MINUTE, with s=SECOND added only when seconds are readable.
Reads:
h=2 m=27
